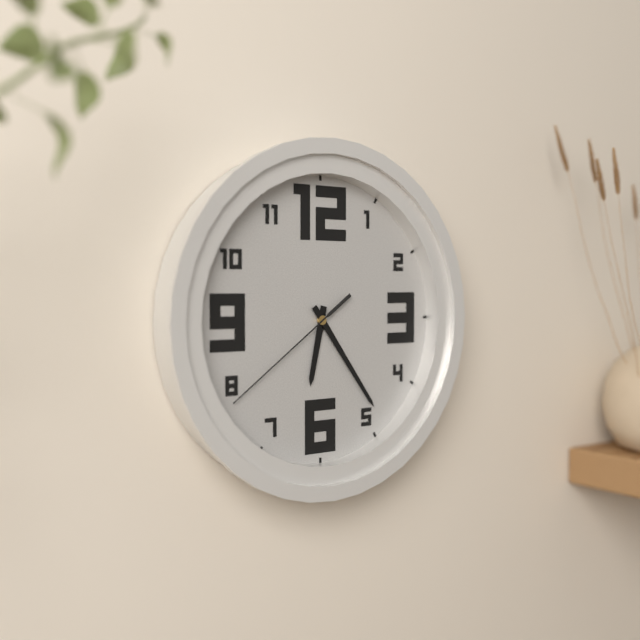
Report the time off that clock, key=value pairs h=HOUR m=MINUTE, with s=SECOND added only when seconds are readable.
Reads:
h=6 m=24 s=39
